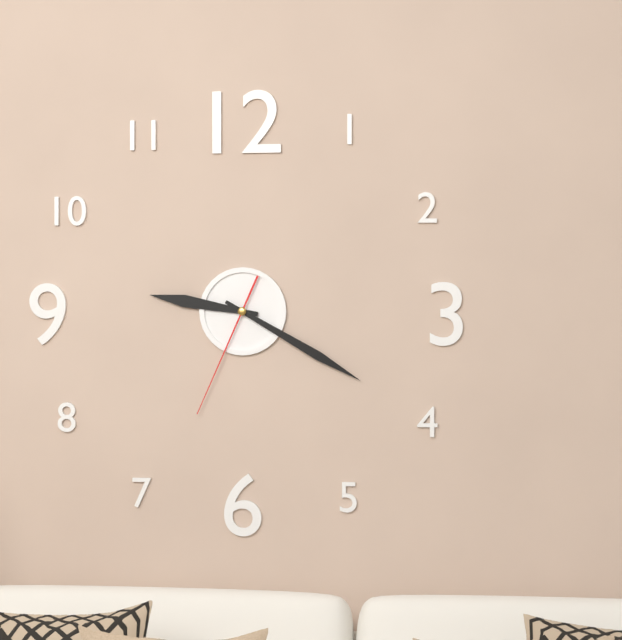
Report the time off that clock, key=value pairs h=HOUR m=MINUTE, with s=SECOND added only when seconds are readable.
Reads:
h=9 m=20 s=34
